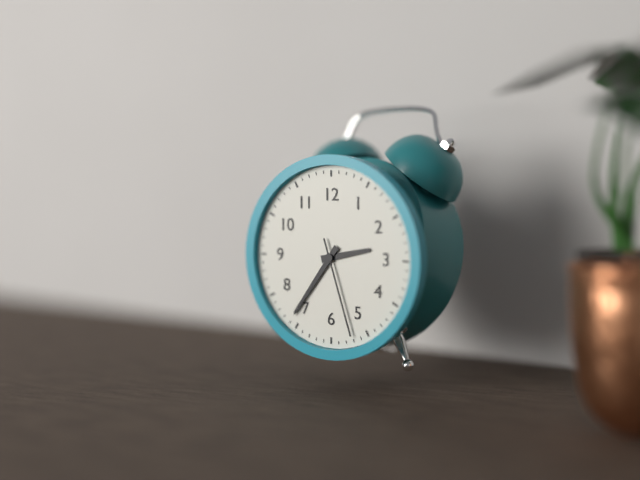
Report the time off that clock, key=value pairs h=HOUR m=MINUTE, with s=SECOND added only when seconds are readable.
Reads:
h=2 m=36 s=27
